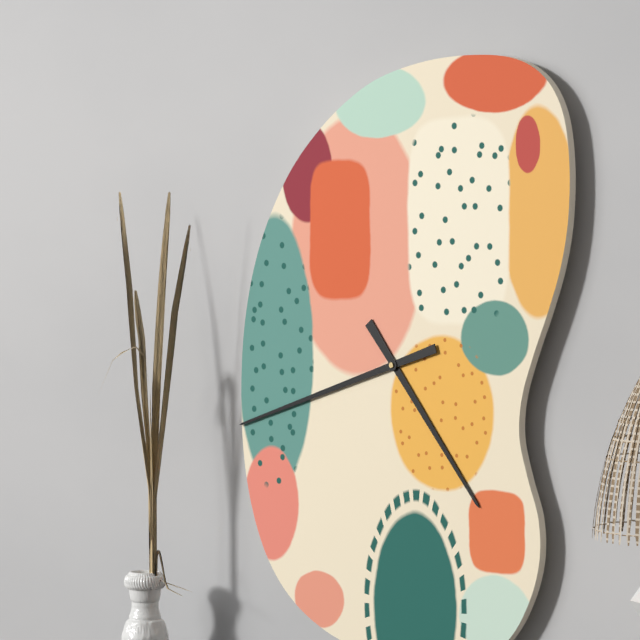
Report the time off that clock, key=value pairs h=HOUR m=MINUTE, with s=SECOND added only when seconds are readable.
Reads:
h=4 m=42
